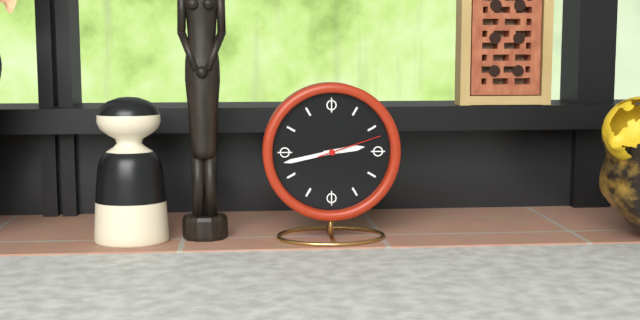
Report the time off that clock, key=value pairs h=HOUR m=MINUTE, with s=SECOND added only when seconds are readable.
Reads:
h=2 m=43 s=12
